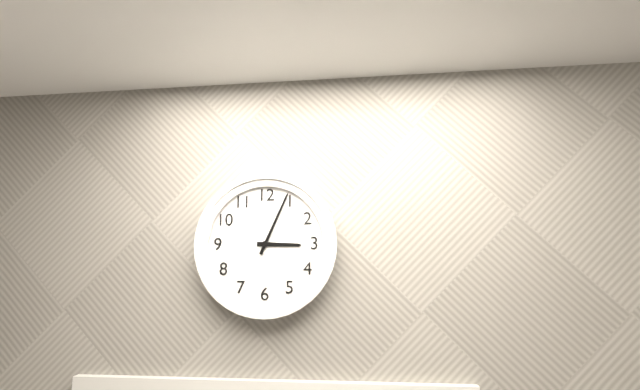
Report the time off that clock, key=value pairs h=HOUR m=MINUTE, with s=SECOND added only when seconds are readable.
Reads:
h=3 m=4
